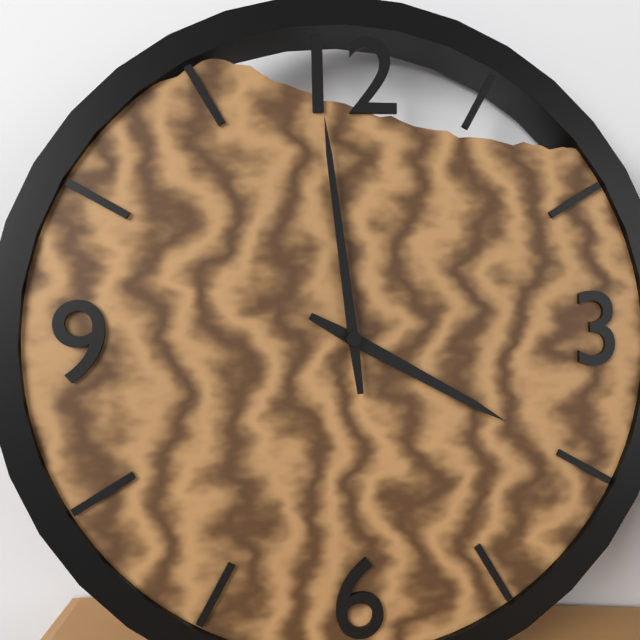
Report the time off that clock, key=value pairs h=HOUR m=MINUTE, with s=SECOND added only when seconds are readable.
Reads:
h=3 m=59
